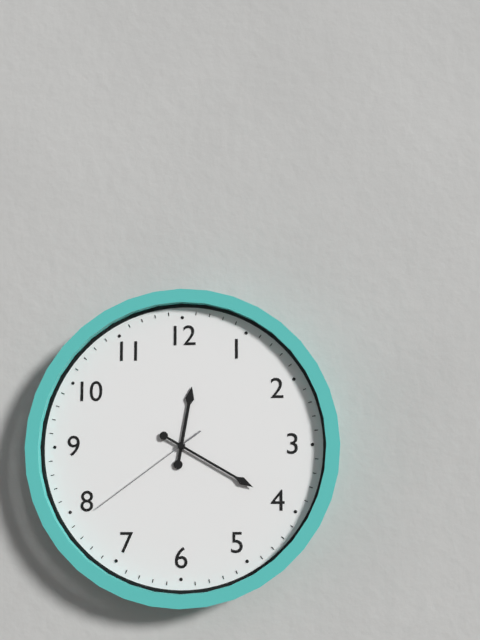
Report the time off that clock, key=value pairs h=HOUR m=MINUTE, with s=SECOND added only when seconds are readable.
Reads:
h=12 m=20 s=39
